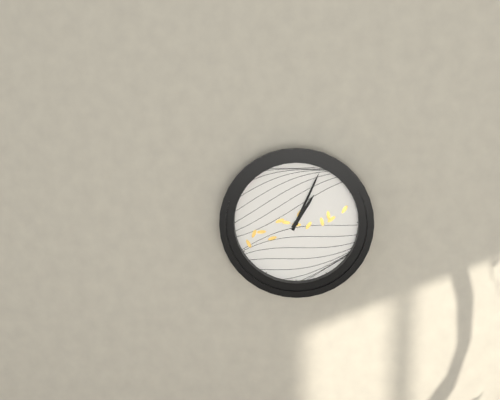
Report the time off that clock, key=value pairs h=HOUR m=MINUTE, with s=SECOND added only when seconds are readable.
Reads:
h=1 m=4
